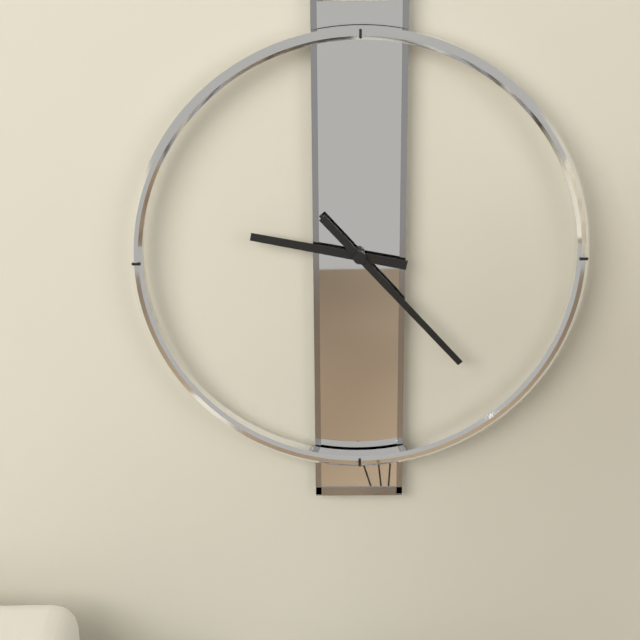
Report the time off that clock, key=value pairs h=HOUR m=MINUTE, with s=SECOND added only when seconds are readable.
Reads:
h=9 m=23
